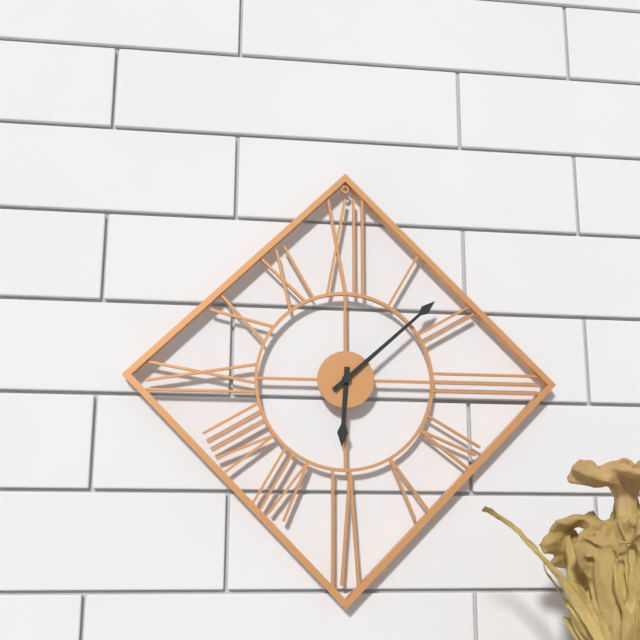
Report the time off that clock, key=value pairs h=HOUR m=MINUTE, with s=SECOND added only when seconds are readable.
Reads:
h=6 m=8
